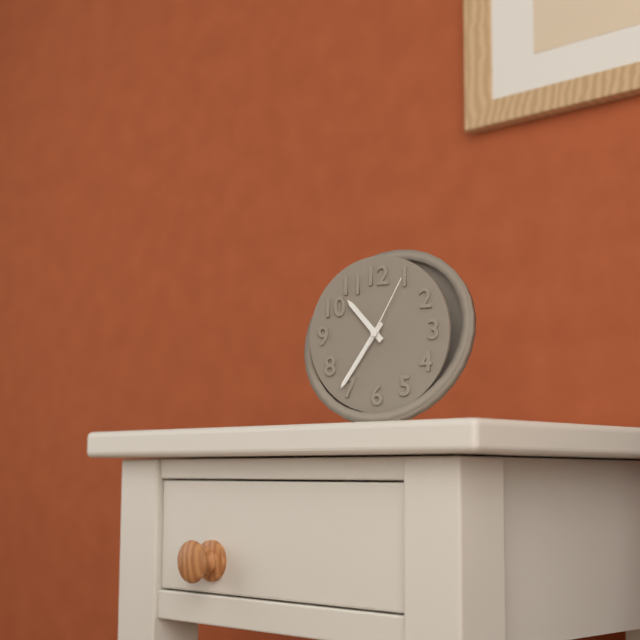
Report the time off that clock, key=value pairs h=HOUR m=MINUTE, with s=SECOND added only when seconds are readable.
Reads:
h=10 m=36 s=5
